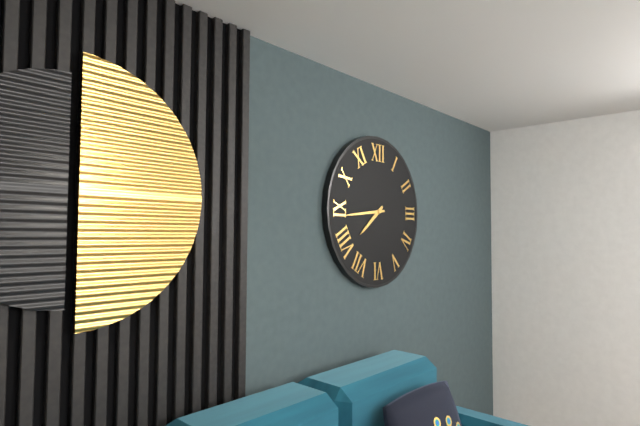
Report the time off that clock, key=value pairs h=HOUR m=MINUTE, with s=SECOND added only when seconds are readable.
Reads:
h=7 m=44
